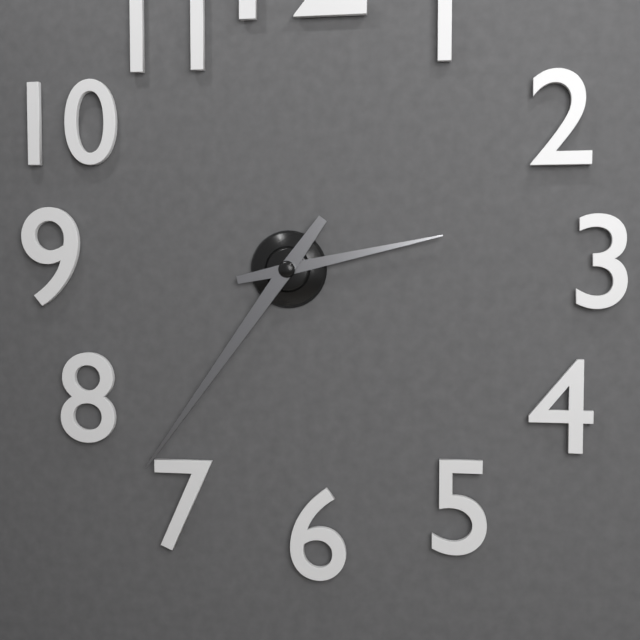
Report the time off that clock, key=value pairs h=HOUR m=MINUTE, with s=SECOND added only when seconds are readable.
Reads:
h=2 m=36
